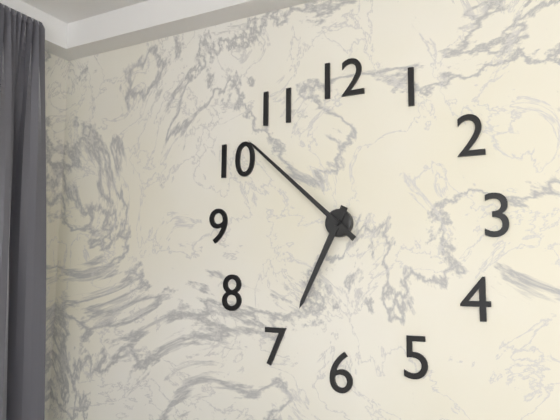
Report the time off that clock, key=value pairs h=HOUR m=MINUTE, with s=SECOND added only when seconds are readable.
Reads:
h=6 m=52
